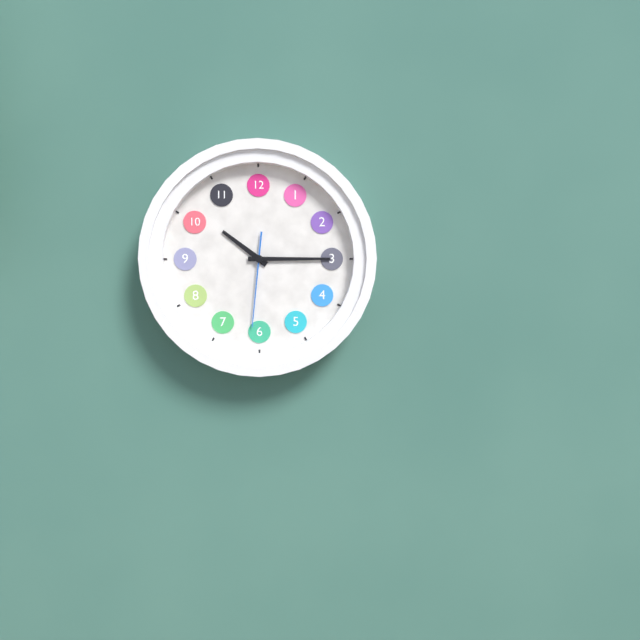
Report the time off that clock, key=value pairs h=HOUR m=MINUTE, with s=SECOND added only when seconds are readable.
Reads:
h=10 m=15 s=31
